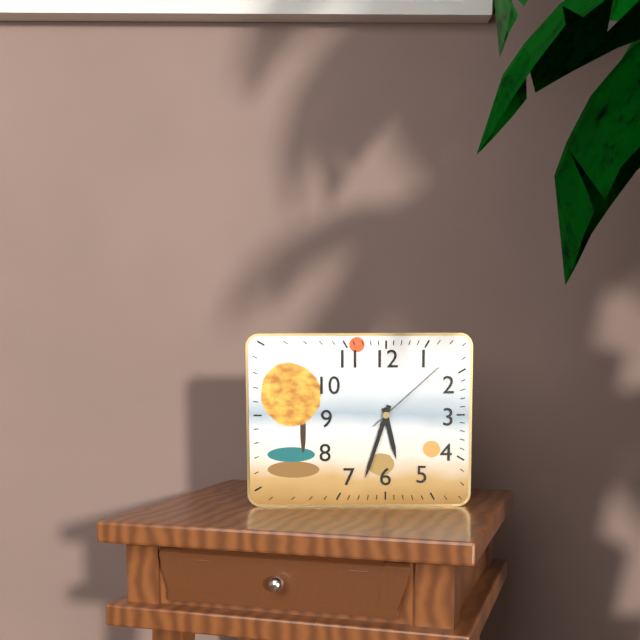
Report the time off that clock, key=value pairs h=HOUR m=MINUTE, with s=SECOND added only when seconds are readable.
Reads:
h=5 m=33 s=8
